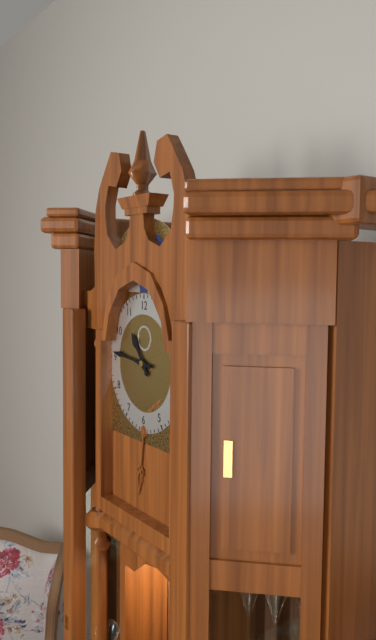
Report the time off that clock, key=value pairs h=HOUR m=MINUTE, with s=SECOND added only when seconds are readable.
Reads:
h=10 m=46
